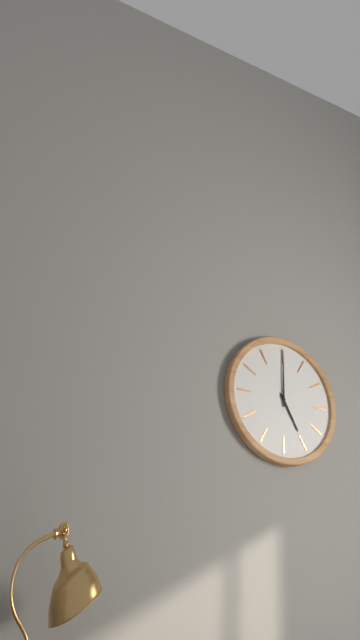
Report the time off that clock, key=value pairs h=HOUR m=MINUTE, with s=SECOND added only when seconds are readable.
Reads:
h=5 m=0
